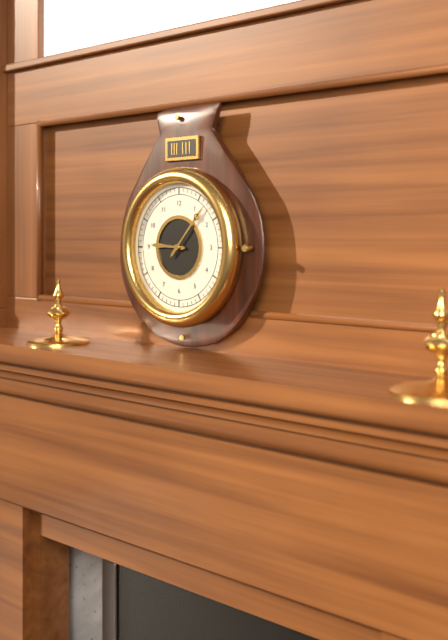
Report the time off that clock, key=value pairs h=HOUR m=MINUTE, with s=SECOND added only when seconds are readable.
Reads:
h=9 m=7
